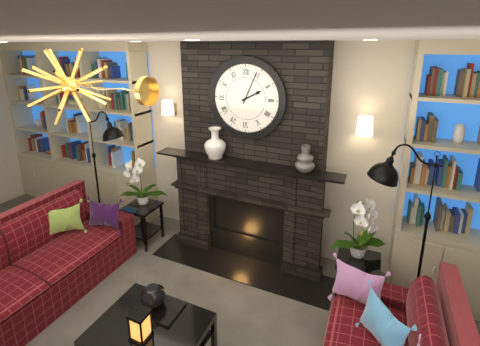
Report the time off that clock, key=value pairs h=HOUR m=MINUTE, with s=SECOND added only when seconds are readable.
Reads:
h=2 m=4
